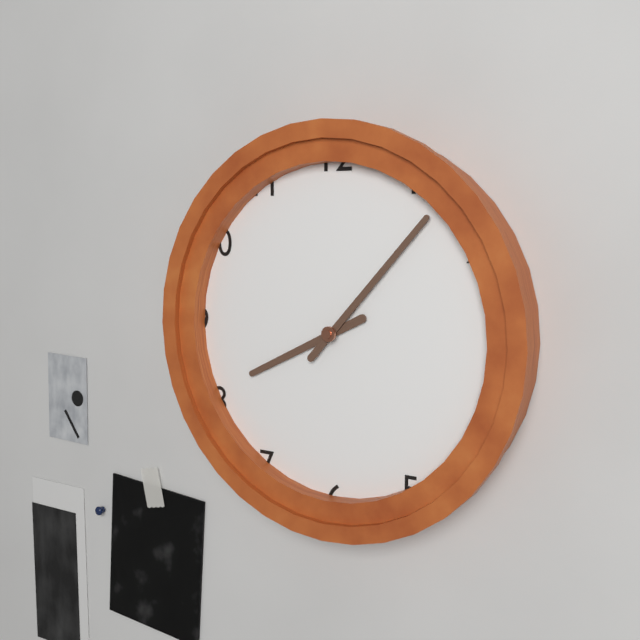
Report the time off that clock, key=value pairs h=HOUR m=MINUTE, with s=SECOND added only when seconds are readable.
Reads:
h=8 m=7
